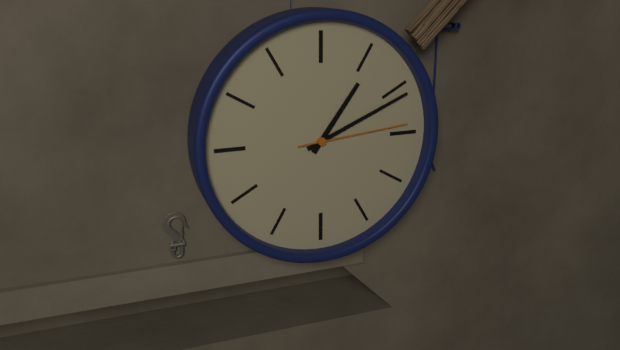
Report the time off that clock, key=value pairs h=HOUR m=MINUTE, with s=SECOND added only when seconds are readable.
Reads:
h=1 m=11 s=14
